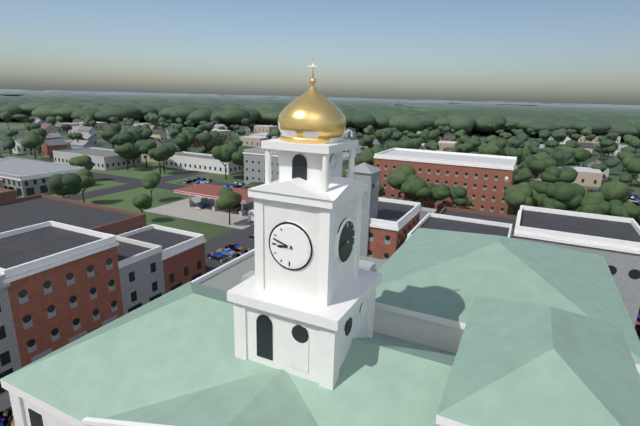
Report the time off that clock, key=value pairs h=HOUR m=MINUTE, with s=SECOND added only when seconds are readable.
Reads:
h=8 m=48
